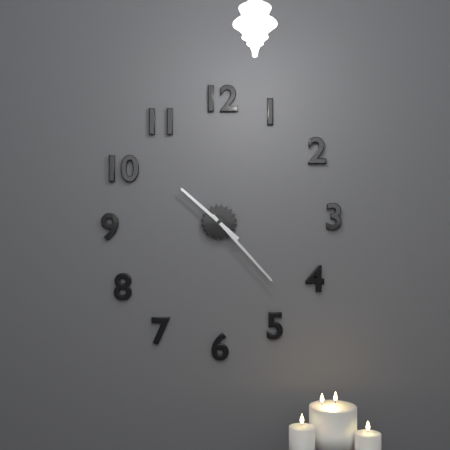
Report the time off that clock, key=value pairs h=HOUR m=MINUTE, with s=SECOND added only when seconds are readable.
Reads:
h=10 m=23
